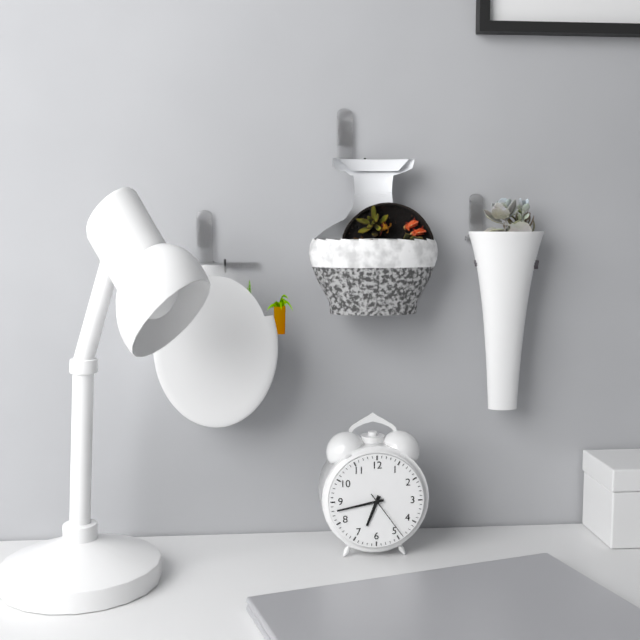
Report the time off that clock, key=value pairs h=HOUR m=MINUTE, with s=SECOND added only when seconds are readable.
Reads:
h=6 m=43 s=24
